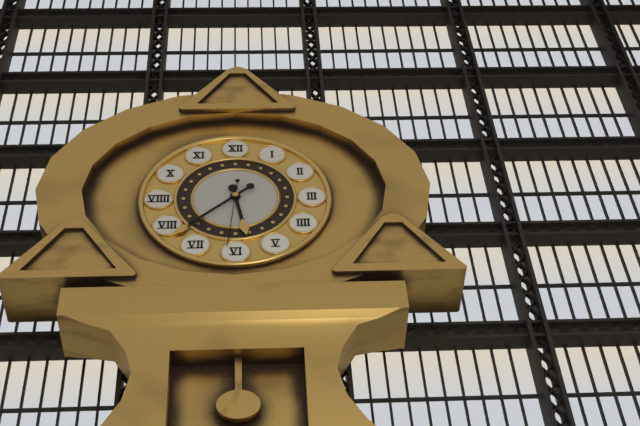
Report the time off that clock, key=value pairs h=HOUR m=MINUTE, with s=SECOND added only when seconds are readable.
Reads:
h=5 m=38 s=31
